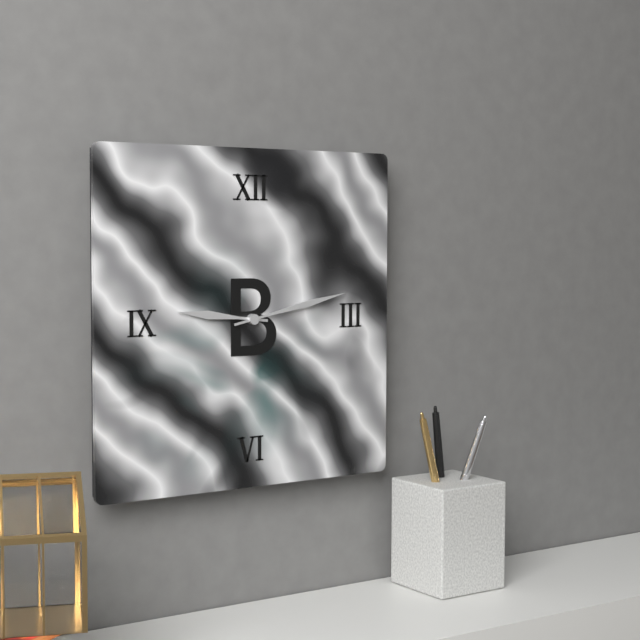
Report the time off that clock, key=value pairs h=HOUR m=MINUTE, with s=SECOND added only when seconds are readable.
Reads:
h=9 m=13
